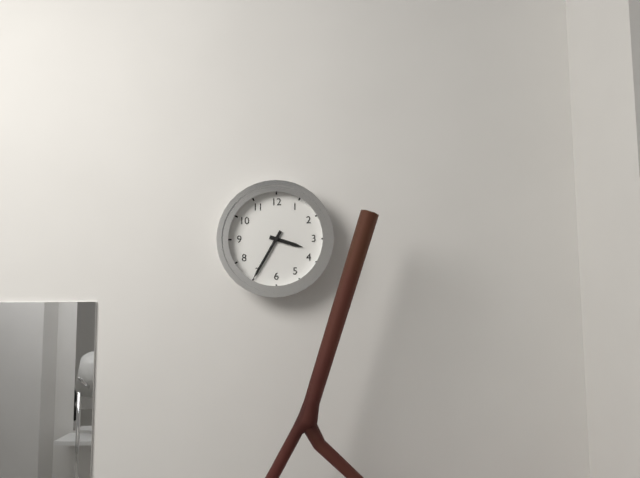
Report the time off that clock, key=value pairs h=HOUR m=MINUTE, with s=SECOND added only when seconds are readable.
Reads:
h=3 m=35
